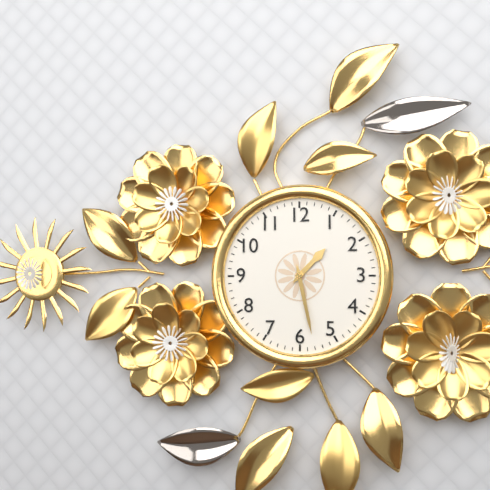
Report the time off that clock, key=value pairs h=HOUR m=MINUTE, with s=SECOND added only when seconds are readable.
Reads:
h=1 m=28
